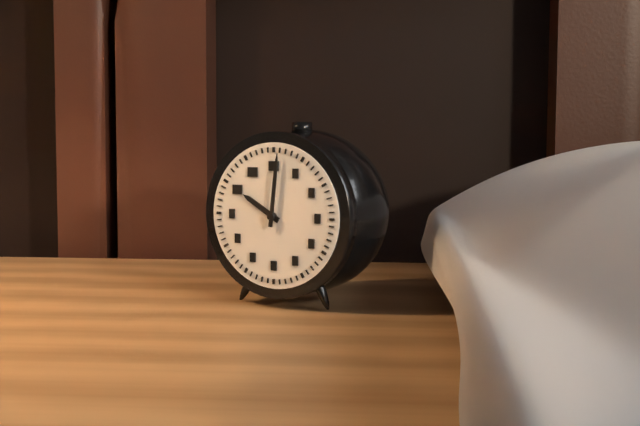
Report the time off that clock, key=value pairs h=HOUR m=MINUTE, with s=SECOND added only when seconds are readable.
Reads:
h=10 m=1
